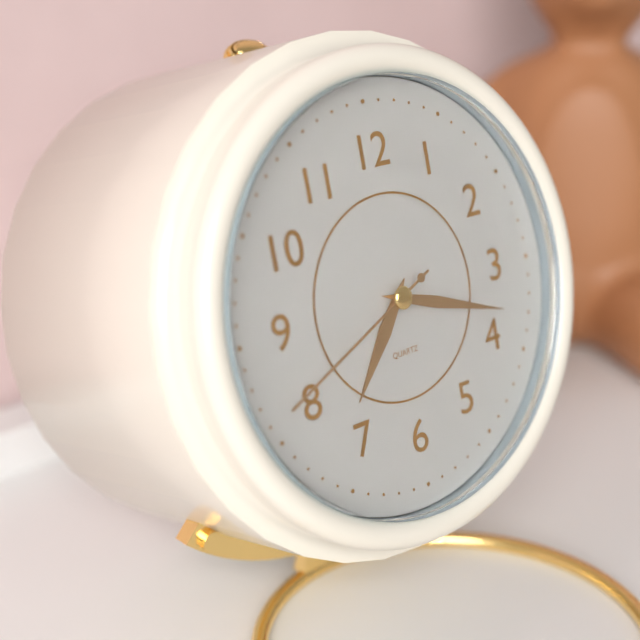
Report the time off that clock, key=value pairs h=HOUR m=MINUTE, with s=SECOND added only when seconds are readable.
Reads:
h=7 m=18 s=41
